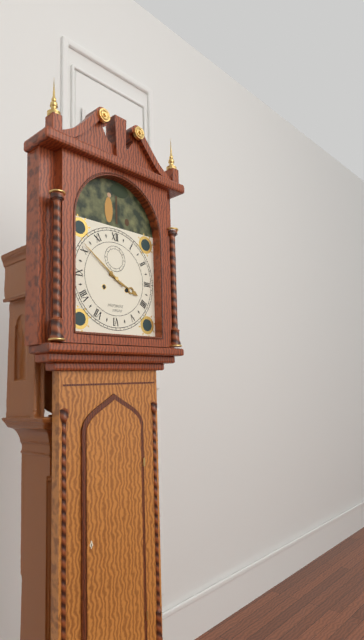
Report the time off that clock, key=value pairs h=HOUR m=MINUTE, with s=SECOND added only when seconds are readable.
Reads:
h=3 m=51
